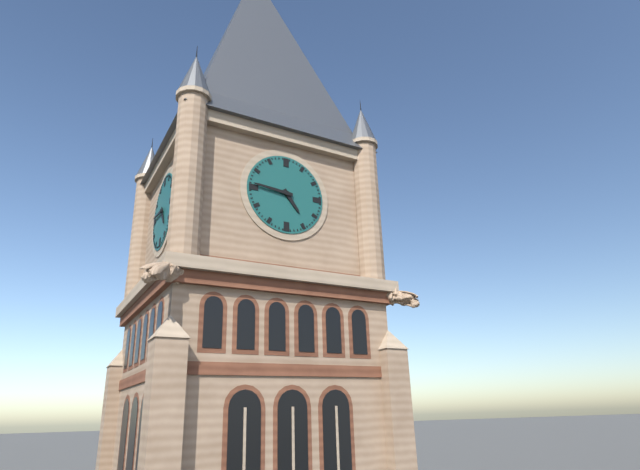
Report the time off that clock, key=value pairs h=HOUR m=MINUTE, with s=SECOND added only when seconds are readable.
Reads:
h=4 m=46
